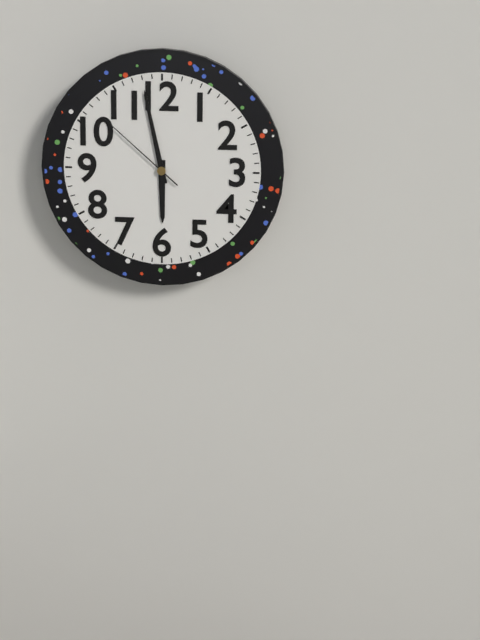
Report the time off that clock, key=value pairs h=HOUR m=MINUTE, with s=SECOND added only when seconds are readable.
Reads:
h=5 m=58 s=52
